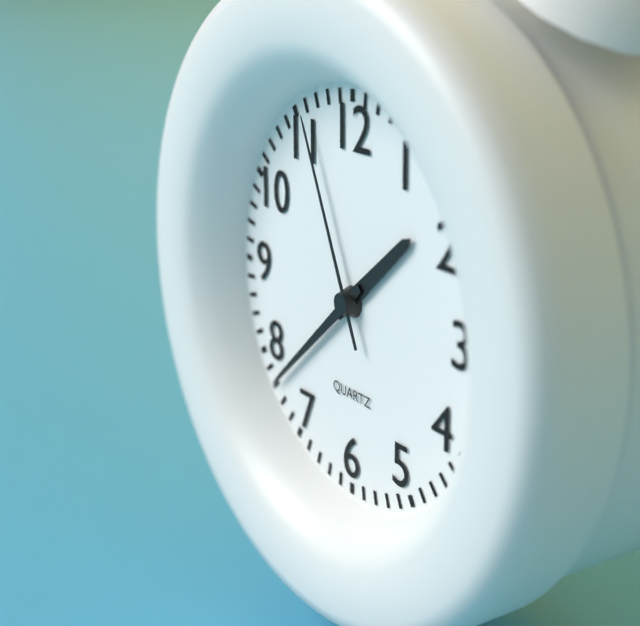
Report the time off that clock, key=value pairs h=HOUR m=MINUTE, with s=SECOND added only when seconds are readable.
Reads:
h=1 m=38 s=56
